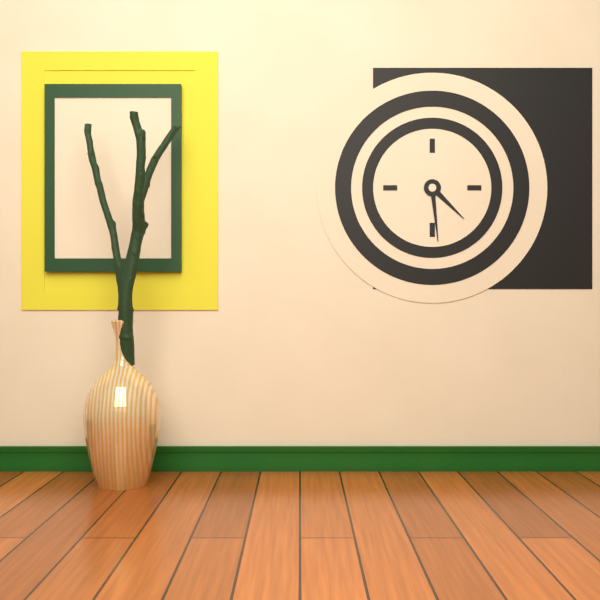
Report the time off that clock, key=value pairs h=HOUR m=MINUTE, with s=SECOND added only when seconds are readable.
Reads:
h=4 m=29
